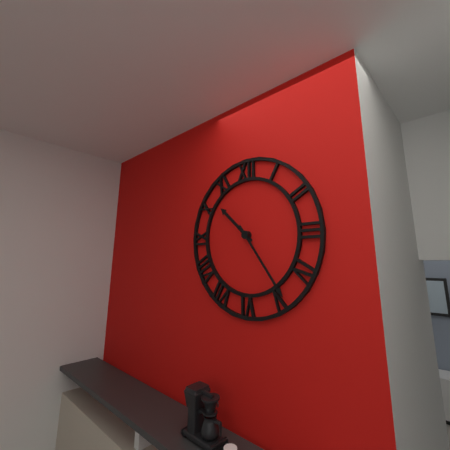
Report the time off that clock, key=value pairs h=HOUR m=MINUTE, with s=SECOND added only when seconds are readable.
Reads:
h=10 m=24
